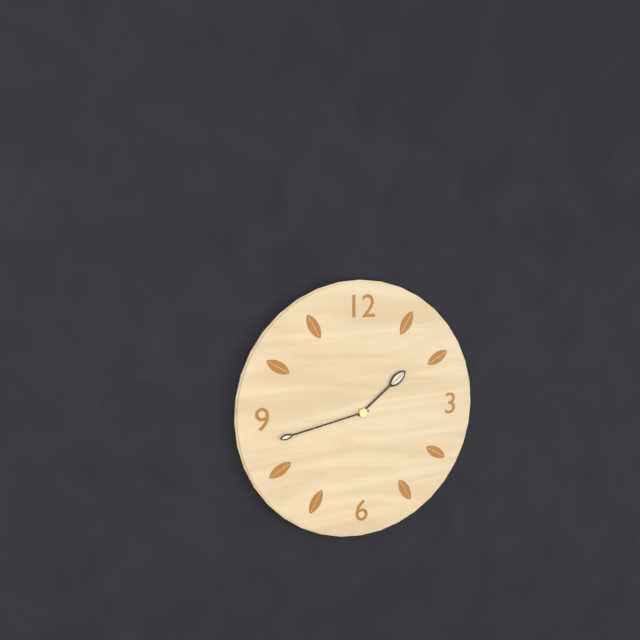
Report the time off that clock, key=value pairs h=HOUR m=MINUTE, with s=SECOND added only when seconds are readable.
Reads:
h=1 m=43
